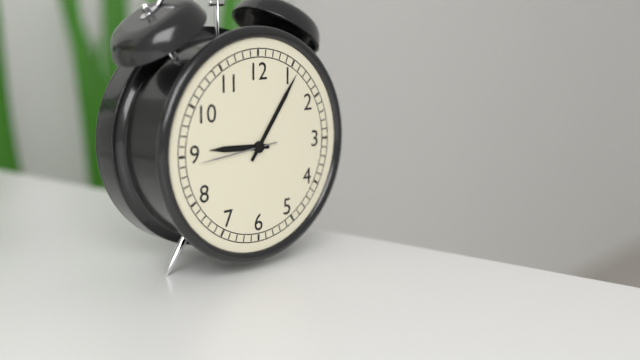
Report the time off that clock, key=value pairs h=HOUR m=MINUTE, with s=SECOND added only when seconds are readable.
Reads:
h=9 m=6 s=44
